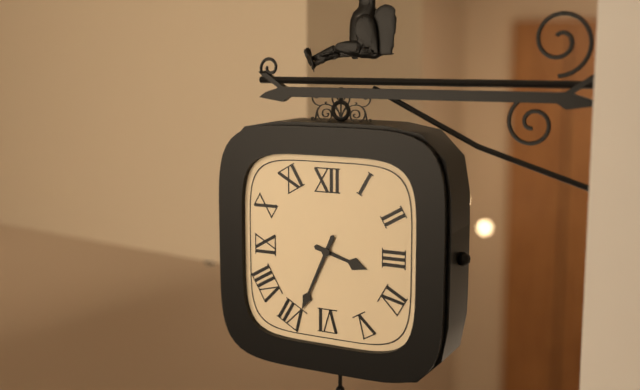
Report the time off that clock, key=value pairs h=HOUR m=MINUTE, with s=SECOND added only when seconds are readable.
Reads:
h=3 m=34
